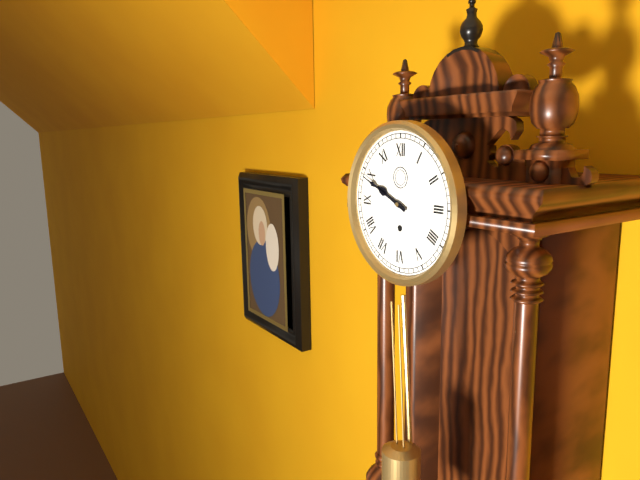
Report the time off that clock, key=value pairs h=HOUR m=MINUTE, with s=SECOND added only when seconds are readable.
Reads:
h=9 m=49
